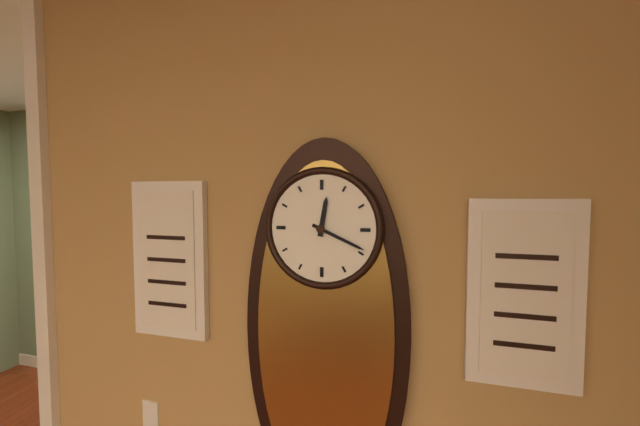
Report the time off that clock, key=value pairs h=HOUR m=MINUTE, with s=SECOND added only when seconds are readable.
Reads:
h=12 m=19
